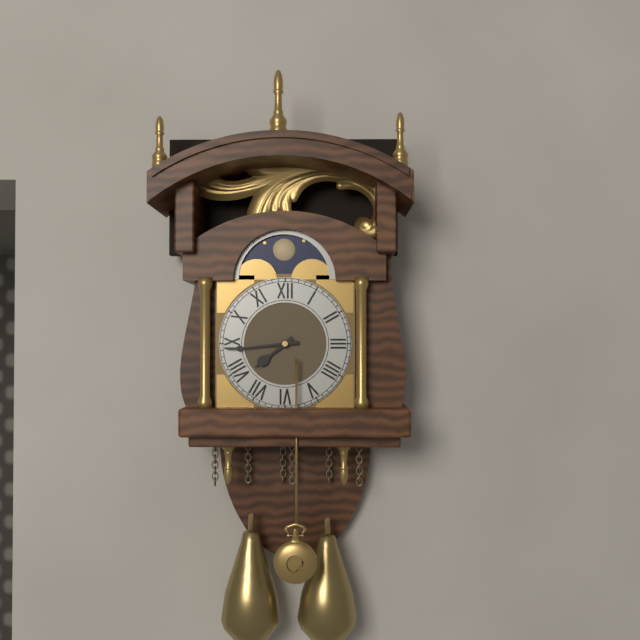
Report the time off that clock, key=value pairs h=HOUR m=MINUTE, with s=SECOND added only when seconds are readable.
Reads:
h=7 m=44
